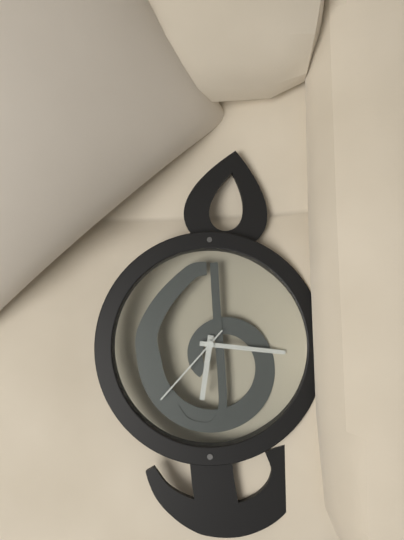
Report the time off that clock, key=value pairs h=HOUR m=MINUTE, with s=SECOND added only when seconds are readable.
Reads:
h=6 m=16 s=37
